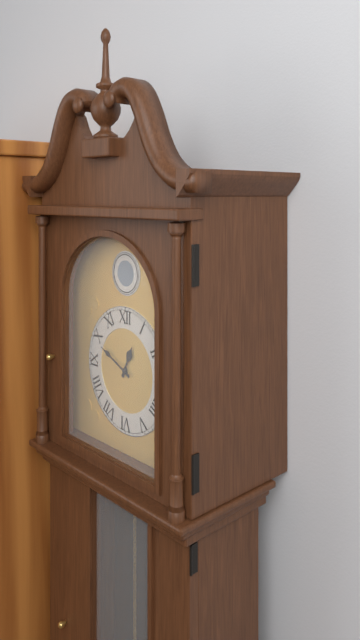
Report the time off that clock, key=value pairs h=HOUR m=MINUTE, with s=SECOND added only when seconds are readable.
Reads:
h=12 m=49
